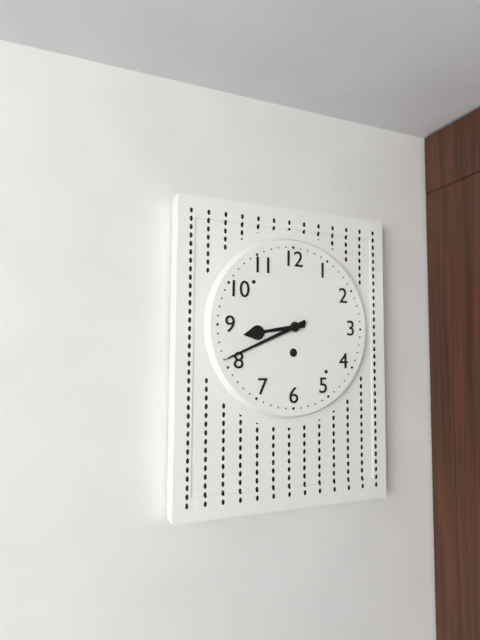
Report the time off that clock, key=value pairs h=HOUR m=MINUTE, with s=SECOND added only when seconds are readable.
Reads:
h=8 m=41
